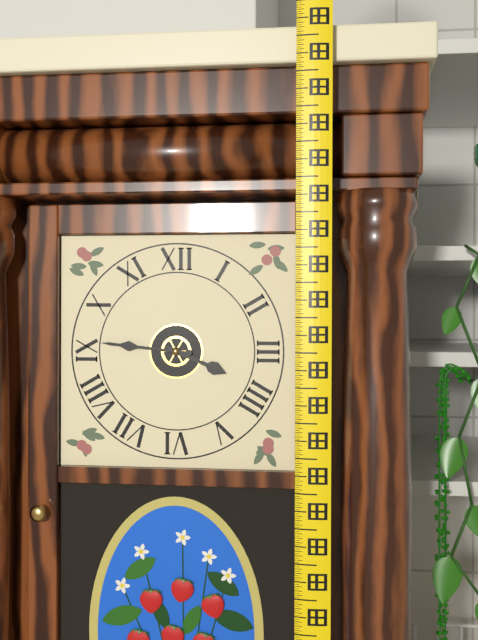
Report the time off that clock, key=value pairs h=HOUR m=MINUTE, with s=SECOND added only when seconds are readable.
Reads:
h=3 m=46
